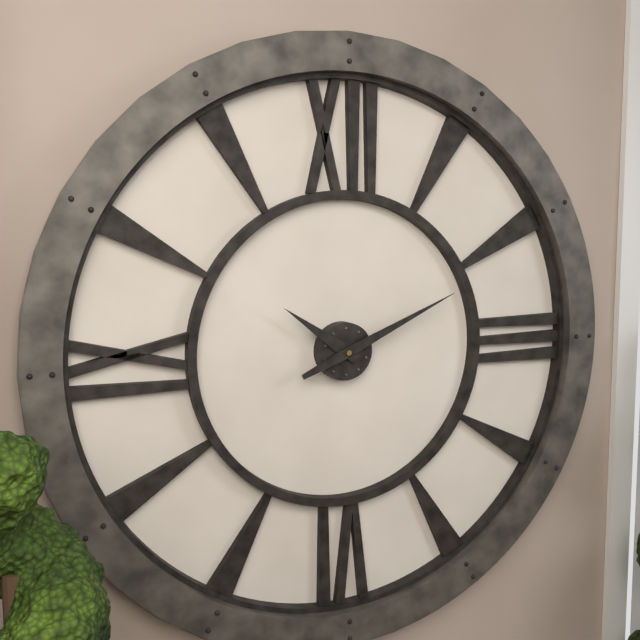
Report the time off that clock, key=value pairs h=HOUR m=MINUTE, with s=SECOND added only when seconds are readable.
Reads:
h=10 m=11
